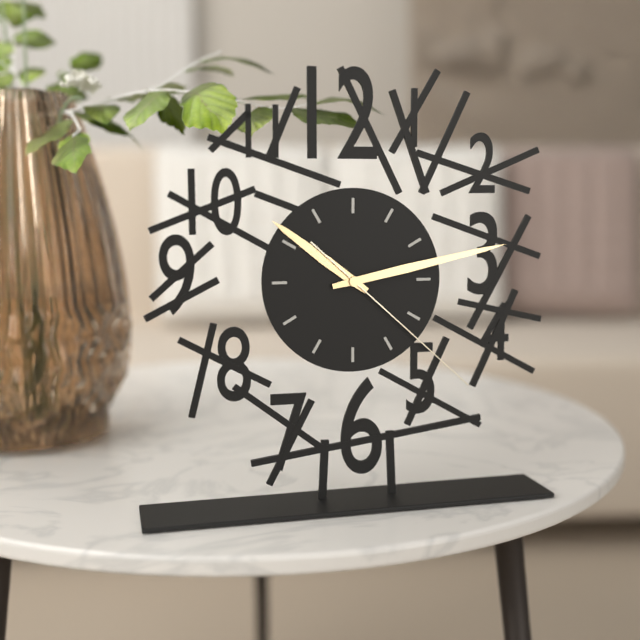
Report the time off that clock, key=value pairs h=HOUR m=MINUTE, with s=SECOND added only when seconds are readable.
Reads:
h=10 m=13 s=22
